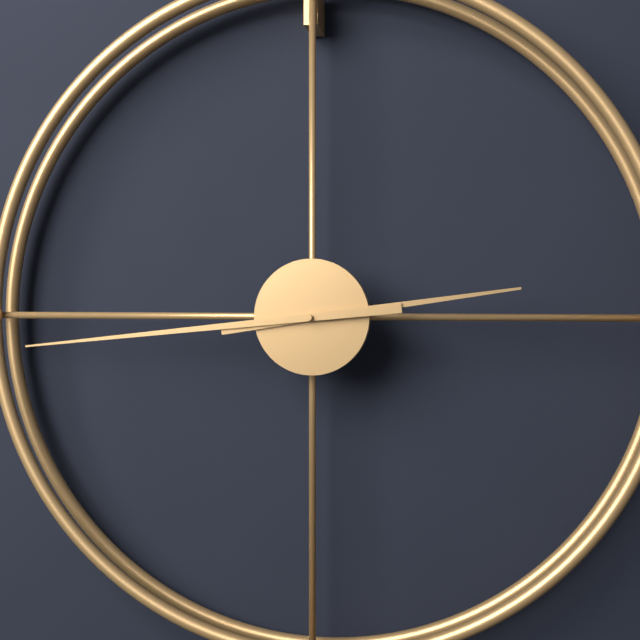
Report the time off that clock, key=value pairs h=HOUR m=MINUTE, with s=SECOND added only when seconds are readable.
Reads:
h=2 m=44
